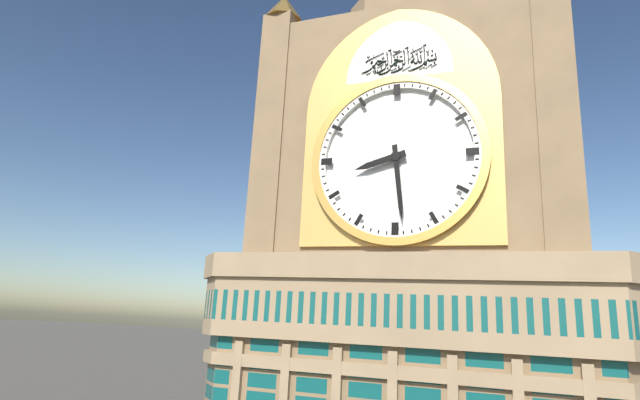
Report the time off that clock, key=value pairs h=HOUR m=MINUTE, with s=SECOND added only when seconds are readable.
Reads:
h=8 m=29
